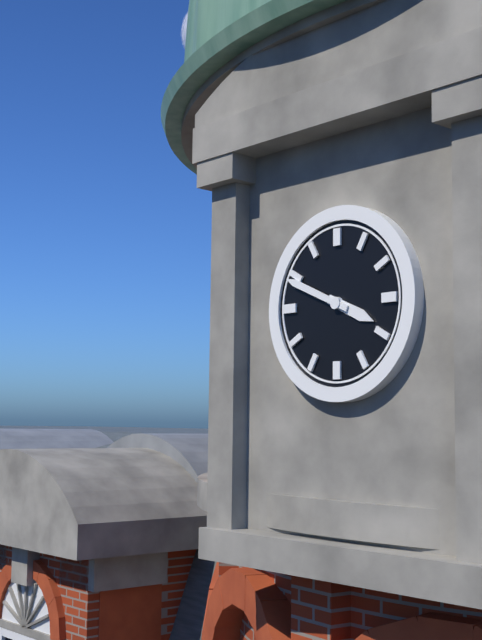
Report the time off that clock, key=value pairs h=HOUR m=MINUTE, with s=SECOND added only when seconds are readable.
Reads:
h=3 m=49
